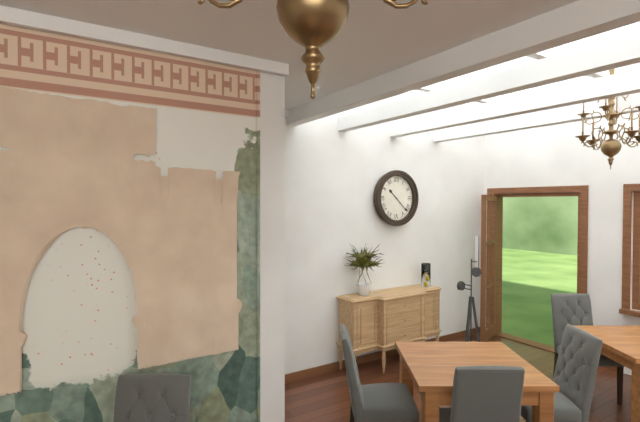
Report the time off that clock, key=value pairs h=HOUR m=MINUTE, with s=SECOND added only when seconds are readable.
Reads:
h=10 m=22
